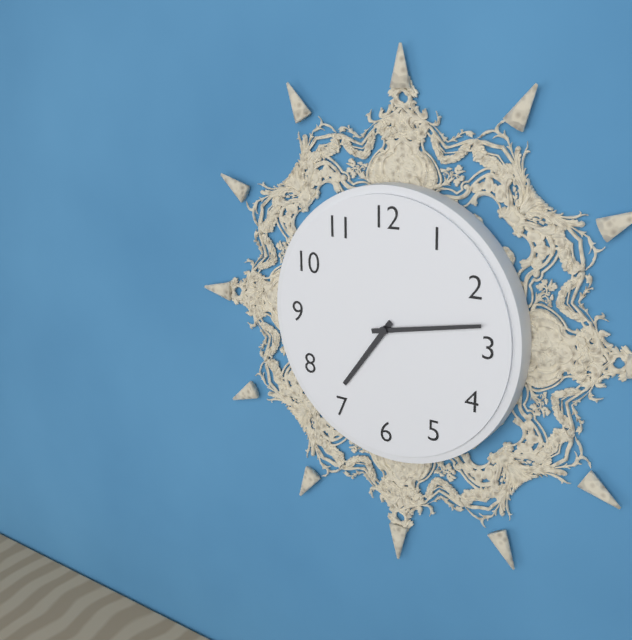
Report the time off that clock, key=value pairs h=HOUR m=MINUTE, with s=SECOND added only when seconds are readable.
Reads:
h=7 m=13
